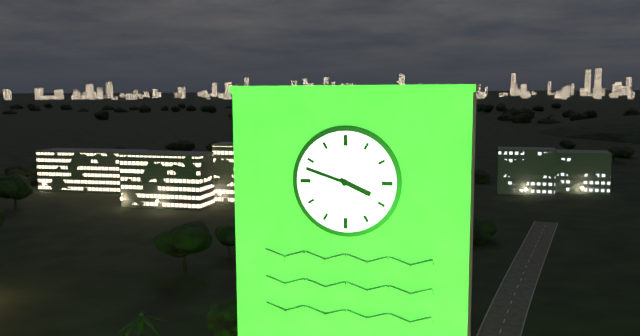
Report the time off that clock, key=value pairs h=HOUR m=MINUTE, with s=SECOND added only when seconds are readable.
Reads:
h=3 m=48
